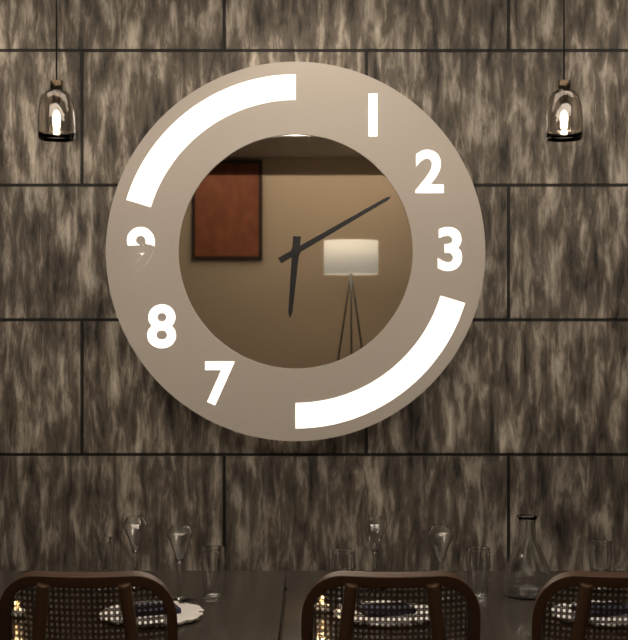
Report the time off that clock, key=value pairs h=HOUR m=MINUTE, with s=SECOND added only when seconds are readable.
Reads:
h=6 m=10
